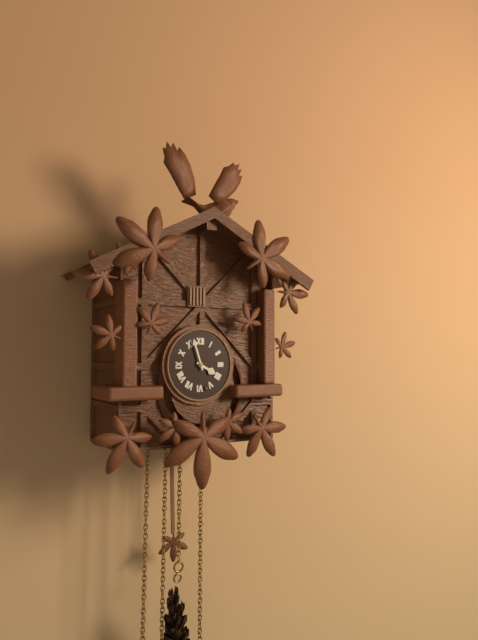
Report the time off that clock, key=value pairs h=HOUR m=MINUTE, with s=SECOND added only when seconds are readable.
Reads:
h=3 m=57
